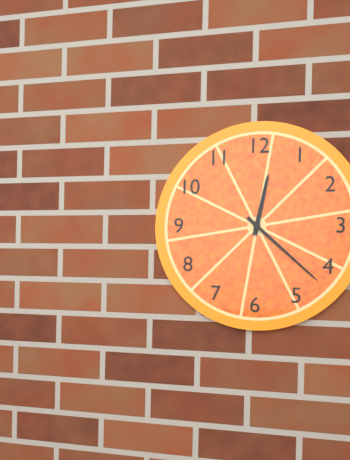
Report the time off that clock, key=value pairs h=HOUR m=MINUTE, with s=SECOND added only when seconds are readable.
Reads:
h=12 m=22
